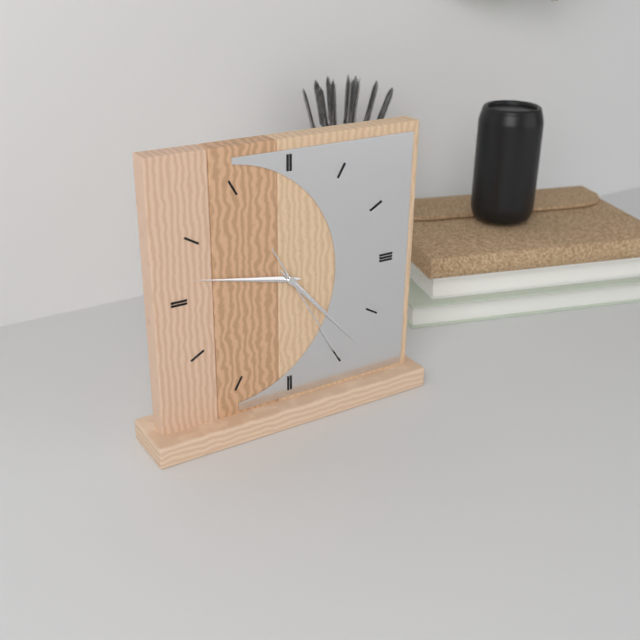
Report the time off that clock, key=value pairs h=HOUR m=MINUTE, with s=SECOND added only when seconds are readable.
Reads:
h=9 m=23 s=25
